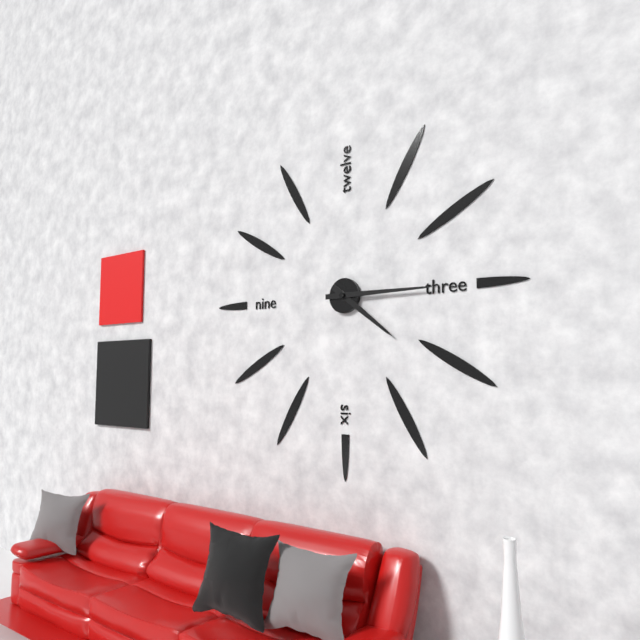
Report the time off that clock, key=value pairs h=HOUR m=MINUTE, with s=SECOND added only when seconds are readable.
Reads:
h=4 m=15
